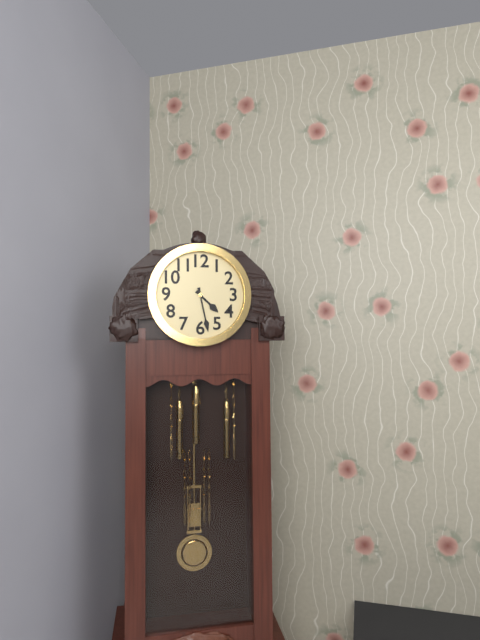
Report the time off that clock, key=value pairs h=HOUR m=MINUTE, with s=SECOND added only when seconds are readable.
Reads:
h=4 m=28
